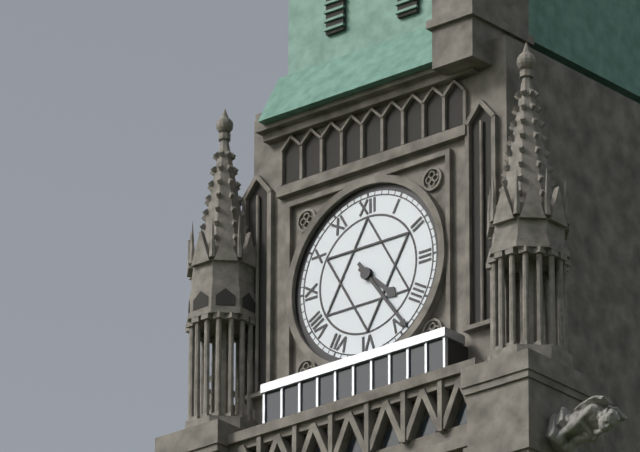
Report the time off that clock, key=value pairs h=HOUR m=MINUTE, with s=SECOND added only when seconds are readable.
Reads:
h=4 m=24
